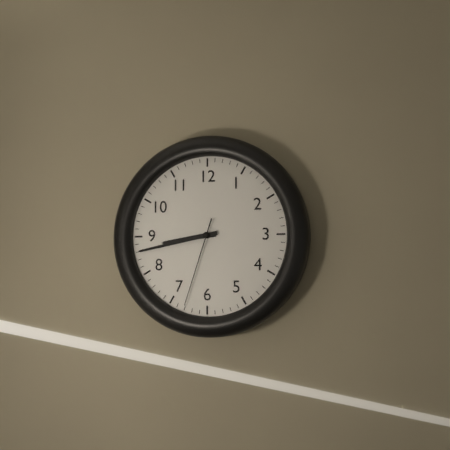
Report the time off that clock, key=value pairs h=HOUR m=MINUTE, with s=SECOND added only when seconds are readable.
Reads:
h=8 m=43 s=33
